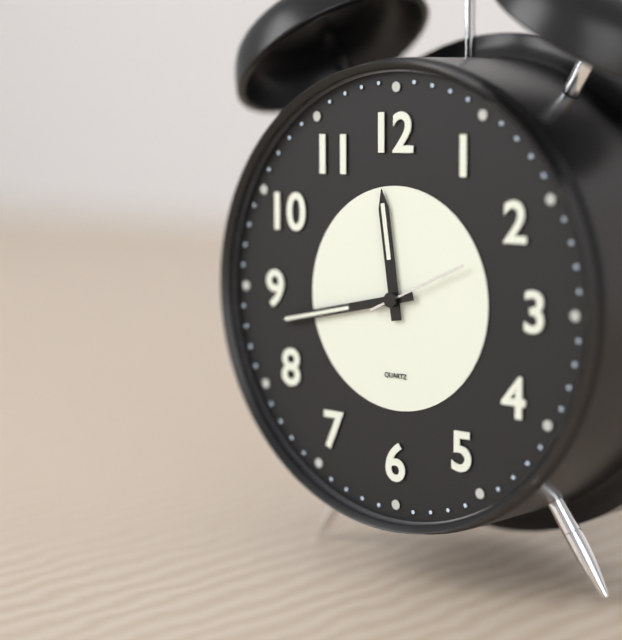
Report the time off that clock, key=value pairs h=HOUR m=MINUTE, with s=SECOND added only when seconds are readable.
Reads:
h=11 m=43 s=11
